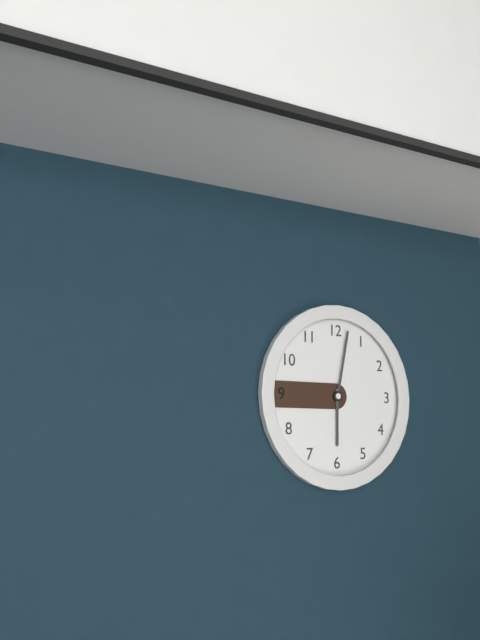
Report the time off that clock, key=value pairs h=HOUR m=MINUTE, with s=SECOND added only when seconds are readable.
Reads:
h=6 m=2
